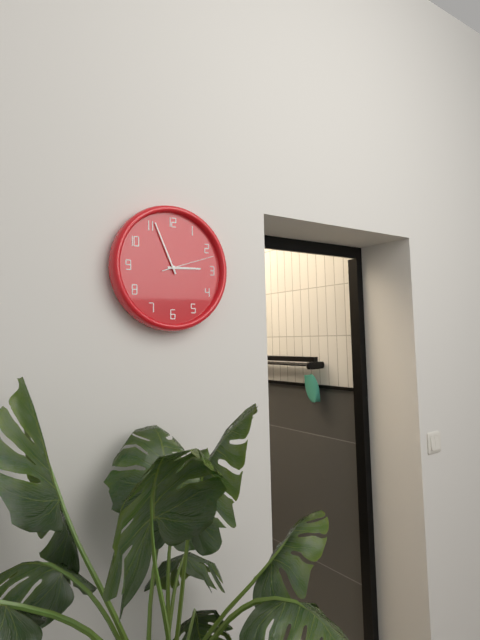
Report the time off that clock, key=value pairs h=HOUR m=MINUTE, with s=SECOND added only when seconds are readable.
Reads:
h=2 m=56 s=12
